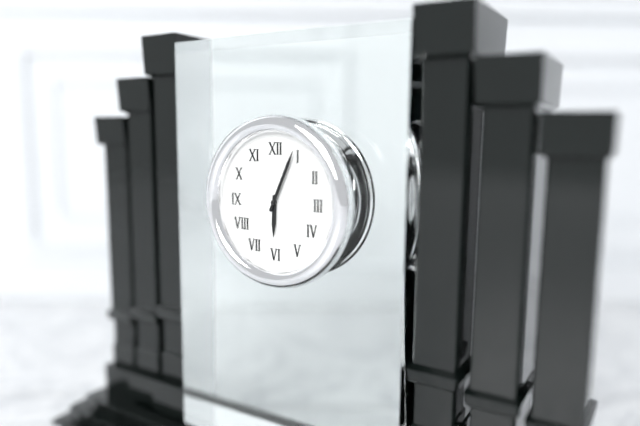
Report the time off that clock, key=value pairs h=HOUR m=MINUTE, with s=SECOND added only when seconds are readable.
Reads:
h=6 m=4
